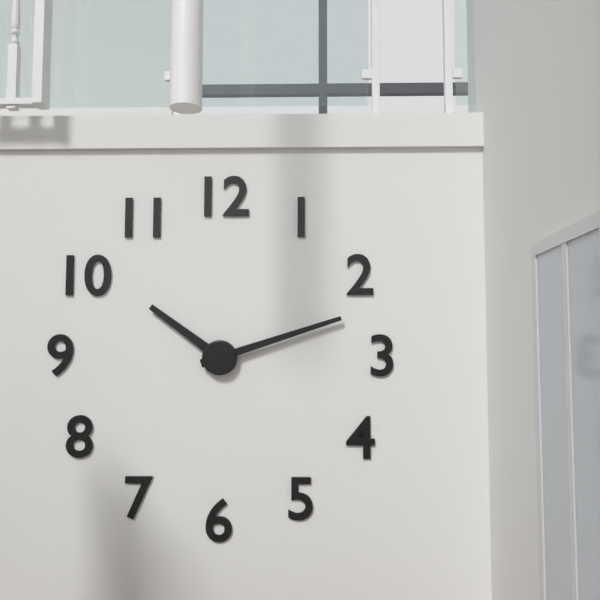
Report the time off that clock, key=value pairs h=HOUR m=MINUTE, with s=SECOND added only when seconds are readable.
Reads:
h=10 m=12
